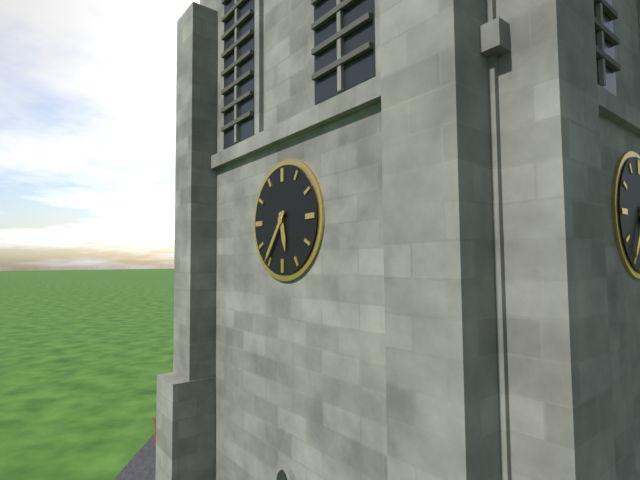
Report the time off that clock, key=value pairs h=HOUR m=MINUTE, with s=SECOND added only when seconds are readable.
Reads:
h=5 m=36
